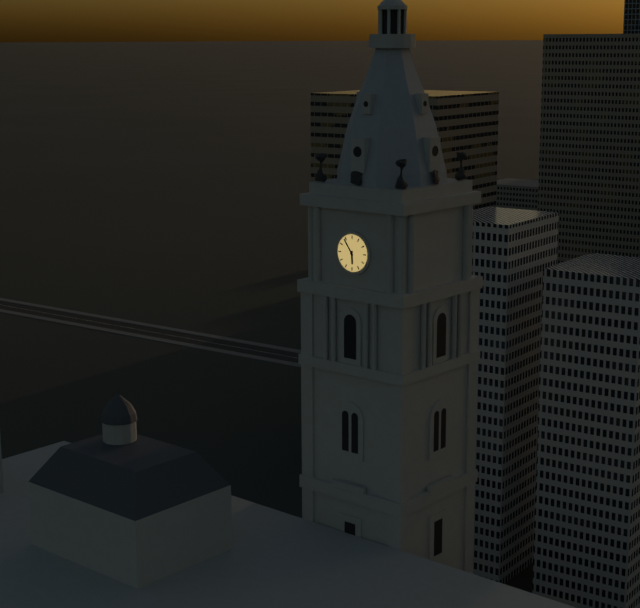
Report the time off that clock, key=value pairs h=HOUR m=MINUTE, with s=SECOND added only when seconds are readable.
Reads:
h=5 m=54
